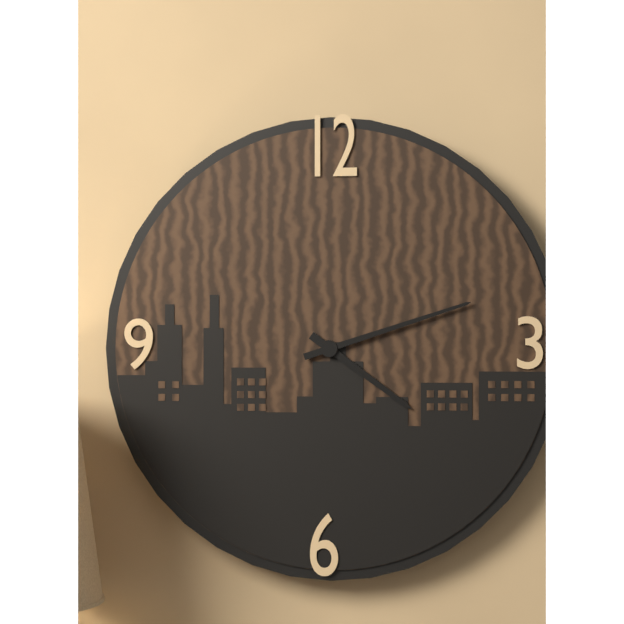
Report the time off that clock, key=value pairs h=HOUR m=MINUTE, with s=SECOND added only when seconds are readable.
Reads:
h=4 m=12
